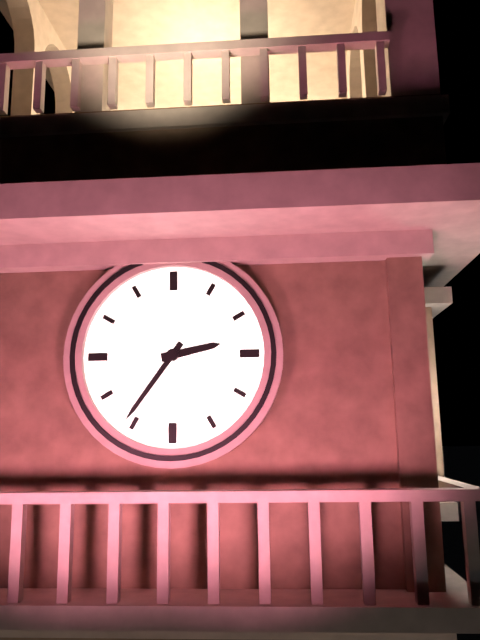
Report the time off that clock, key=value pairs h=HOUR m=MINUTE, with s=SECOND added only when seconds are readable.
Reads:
h=2 m=36
